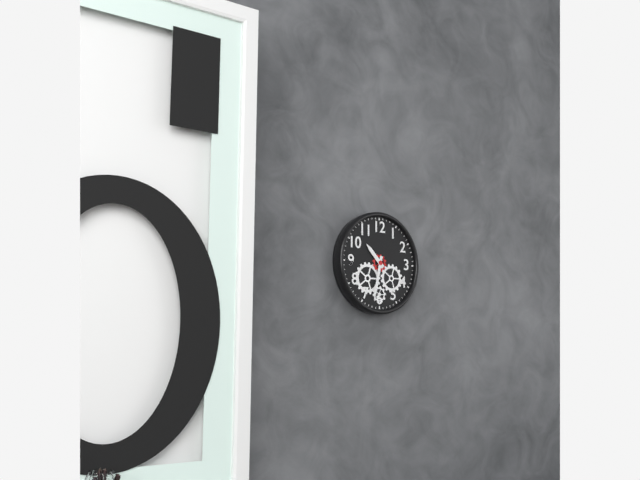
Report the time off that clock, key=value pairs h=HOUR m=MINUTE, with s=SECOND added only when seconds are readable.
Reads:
h=10 m=32
